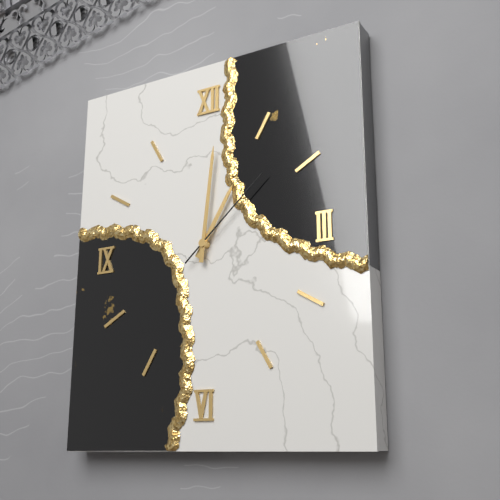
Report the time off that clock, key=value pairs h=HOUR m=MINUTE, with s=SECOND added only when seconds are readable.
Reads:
h=1 m=1 s=8
